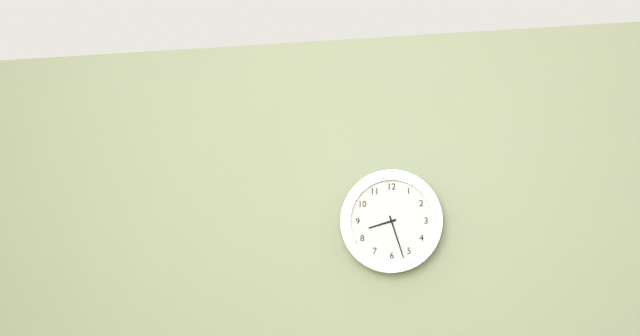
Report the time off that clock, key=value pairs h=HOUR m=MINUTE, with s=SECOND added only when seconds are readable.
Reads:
h=8 m=27
